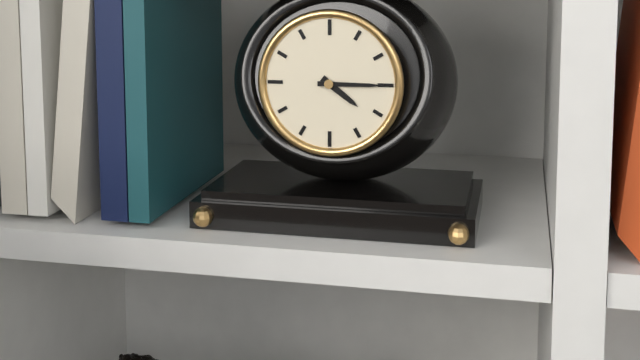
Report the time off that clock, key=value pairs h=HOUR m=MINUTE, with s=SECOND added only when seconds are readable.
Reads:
h=4 m=15
